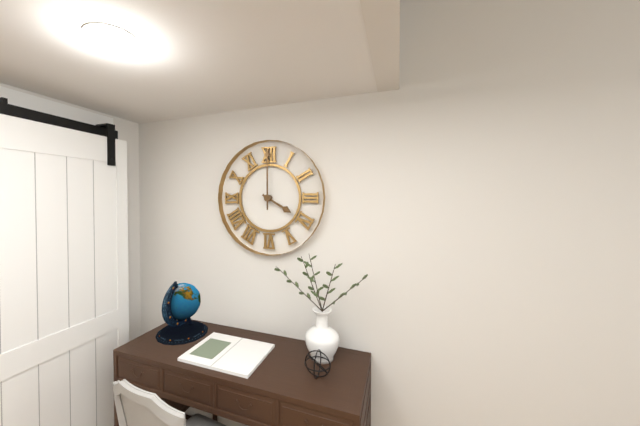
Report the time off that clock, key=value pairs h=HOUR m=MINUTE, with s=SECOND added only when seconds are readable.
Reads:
h=4 m=0
